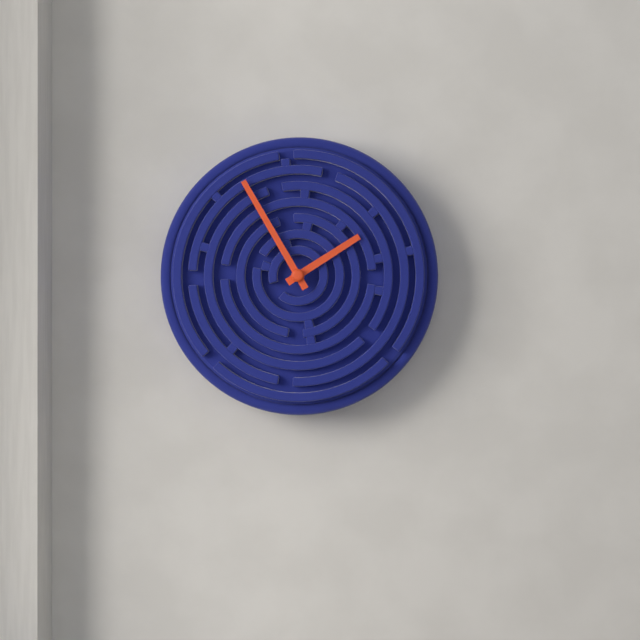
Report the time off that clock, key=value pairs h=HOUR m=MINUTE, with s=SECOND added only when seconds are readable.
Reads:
h=1 m=55
